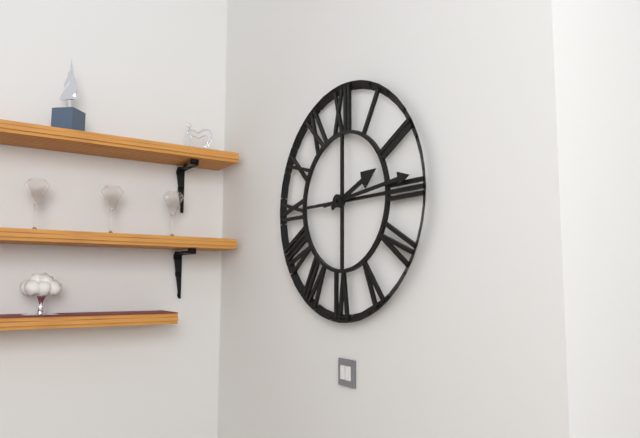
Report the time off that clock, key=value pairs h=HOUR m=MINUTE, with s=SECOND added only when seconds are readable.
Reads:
h=2 m=14
